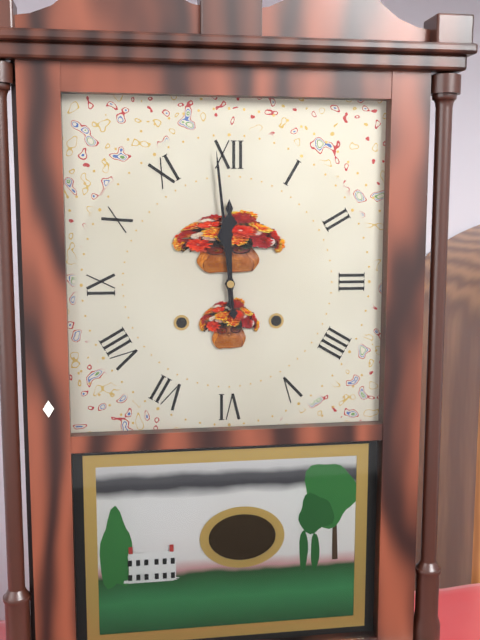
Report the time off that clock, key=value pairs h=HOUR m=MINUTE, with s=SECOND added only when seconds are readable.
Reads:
h=11 m=59
